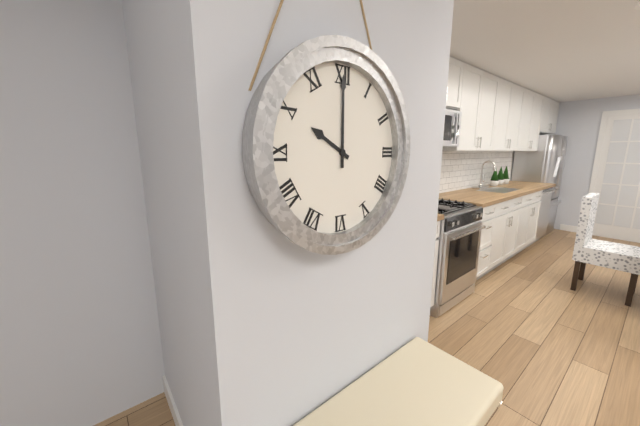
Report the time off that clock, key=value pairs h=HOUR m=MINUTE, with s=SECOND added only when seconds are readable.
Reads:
h=10 m=0
